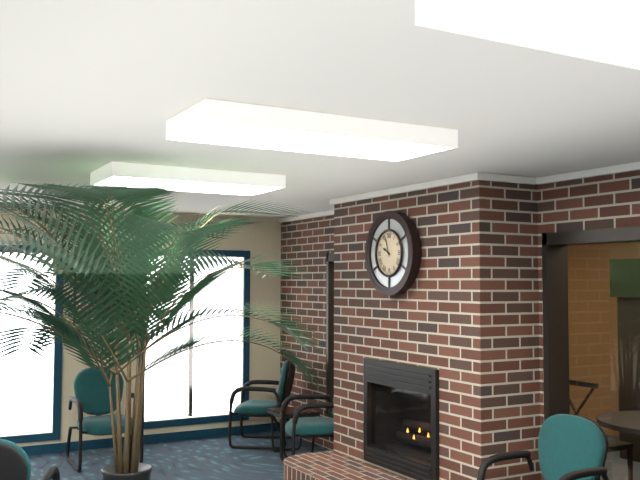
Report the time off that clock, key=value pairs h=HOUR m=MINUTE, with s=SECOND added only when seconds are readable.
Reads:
h=9 m=57
